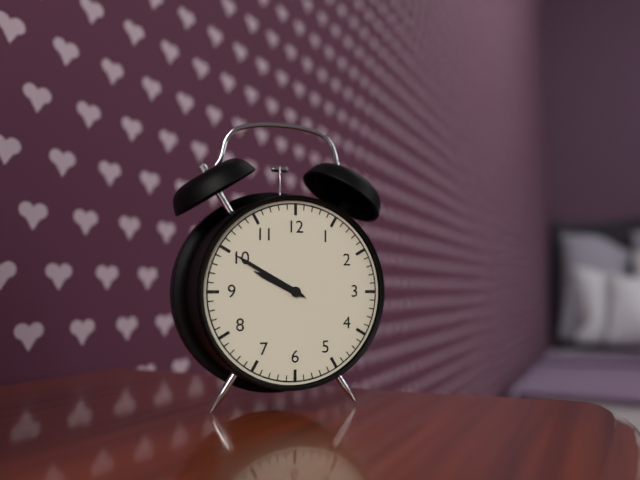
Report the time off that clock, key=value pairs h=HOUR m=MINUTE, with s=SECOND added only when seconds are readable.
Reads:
h=9 m=50
